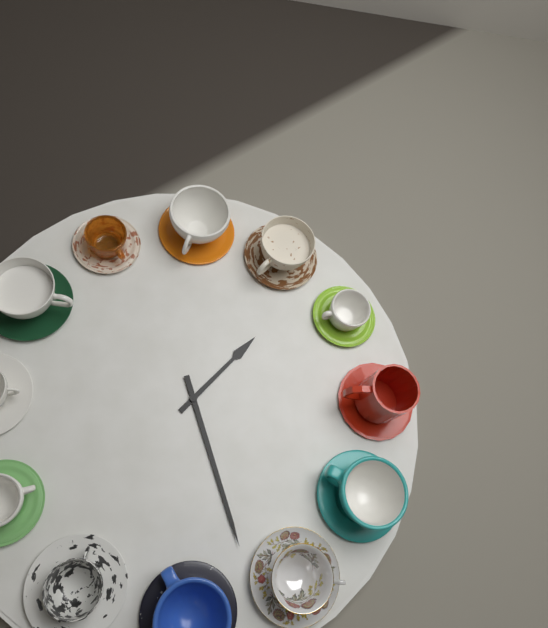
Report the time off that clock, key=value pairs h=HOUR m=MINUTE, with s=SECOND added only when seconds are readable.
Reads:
h=1 m=27
